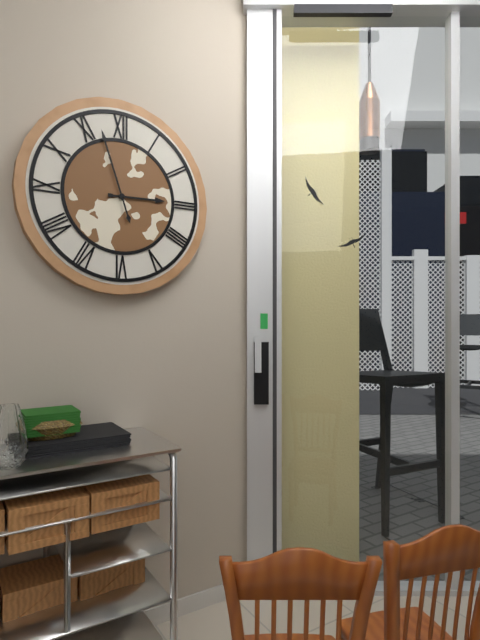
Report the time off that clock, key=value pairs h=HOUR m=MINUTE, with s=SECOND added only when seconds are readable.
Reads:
h=2 m=57
